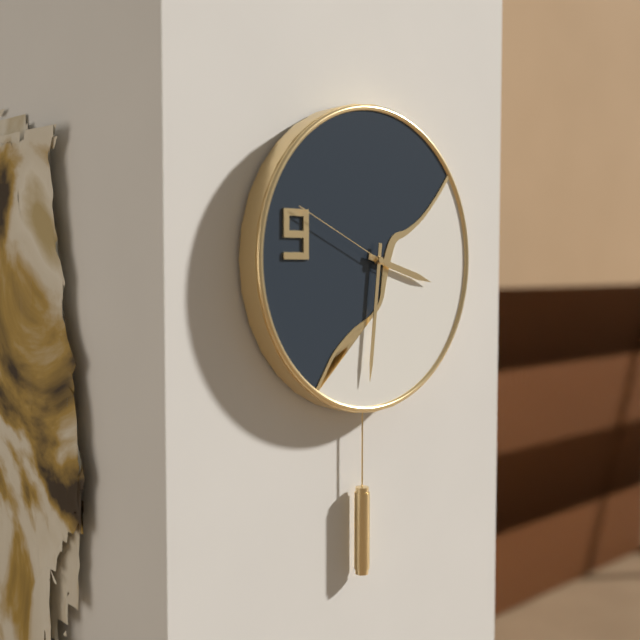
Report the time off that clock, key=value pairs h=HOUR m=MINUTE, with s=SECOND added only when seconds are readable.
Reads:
h=3 m=31 s=49
